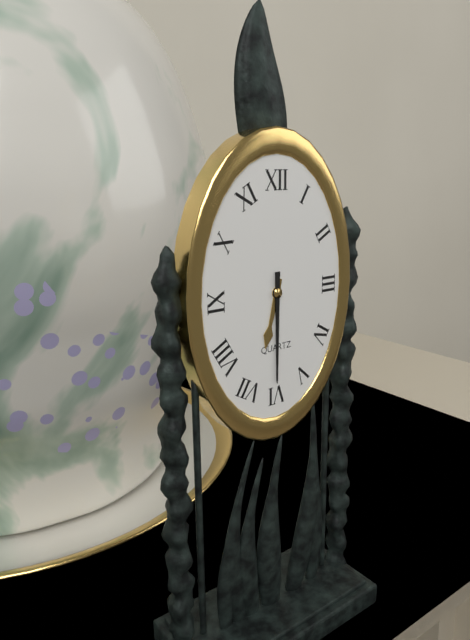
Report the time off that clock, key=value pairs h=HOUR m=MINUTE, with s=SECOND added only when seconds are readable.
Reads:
h=6 m=30
